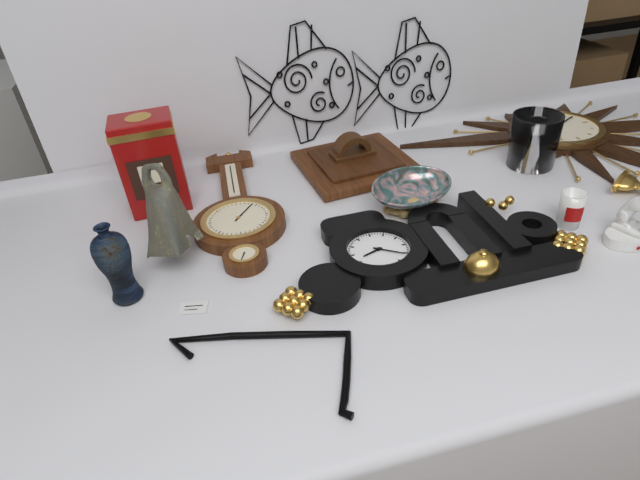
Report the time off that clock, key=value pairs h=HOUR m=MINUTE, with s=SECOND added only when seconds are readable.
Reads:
h=8 m=21
